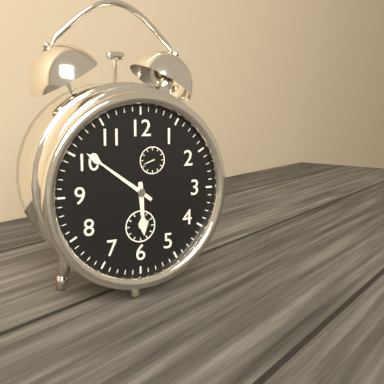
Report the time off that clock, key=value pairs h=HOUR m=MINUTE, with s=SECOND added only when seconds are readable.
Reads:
h=5 m=51
